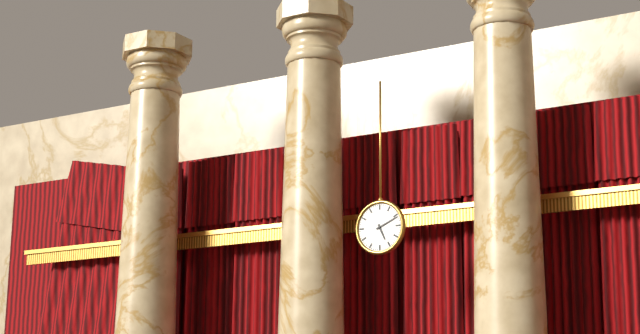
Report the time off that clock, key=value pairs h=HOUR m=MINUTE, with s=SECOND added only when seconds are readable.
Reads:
h=5 m=11
